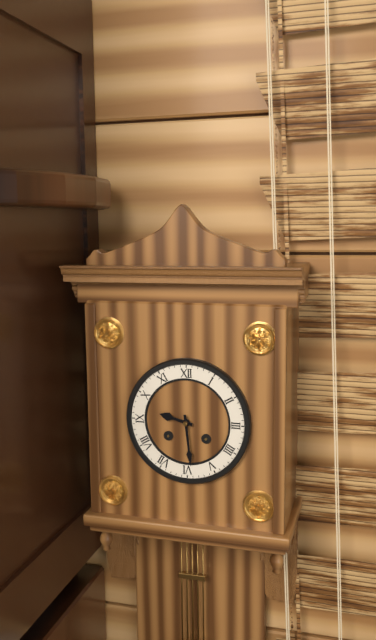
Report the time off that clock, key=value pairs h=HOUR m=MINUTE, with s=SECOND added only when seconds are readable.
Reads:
h=9 m=29
